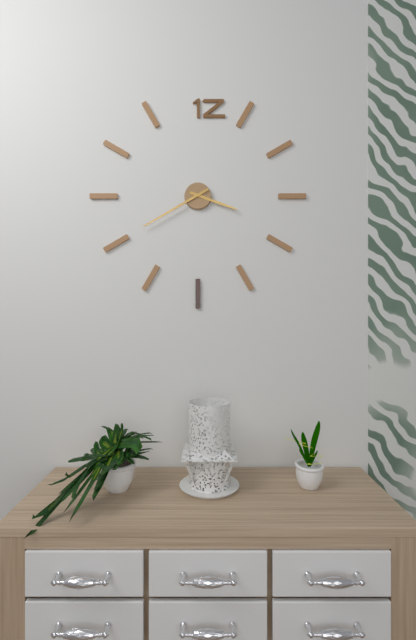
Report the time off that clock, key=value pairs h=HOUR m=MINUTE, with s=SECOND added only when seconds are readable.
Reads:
h=3 m=40
